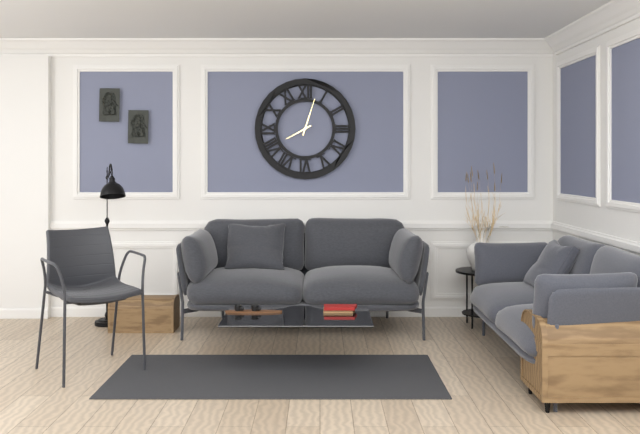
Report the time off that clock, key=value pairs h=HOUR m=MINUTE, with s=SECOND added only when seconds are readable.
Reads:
h=8 m=3
